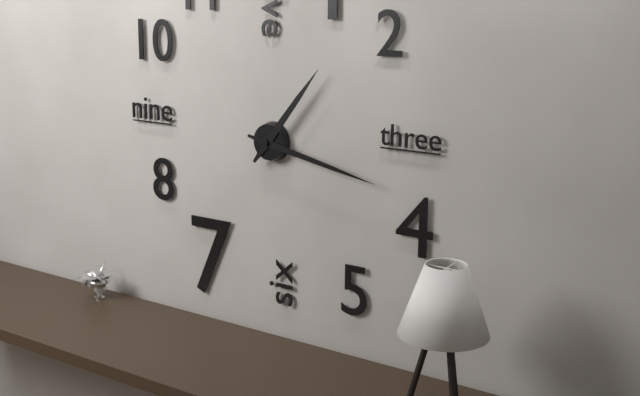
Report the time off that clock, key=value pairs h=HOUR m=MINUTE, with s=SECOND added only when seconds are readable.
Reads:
h=1 m=17
